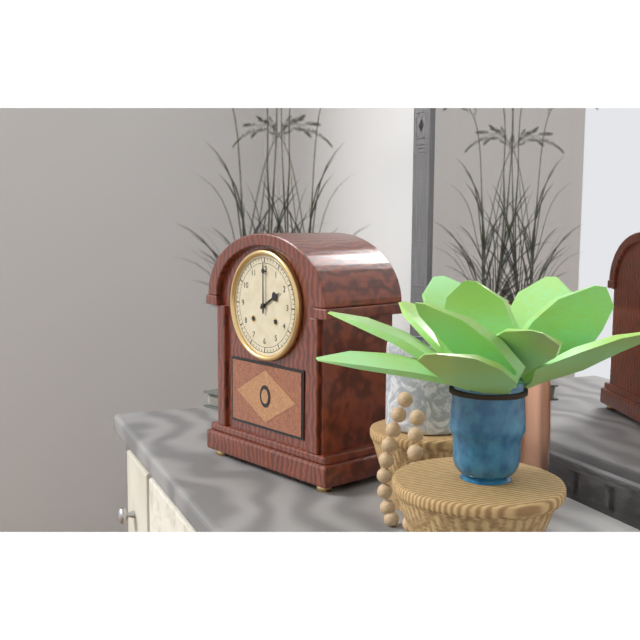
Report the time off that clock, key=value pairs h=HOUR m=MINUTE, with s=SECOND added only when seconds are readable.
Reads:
h=2 m=0
